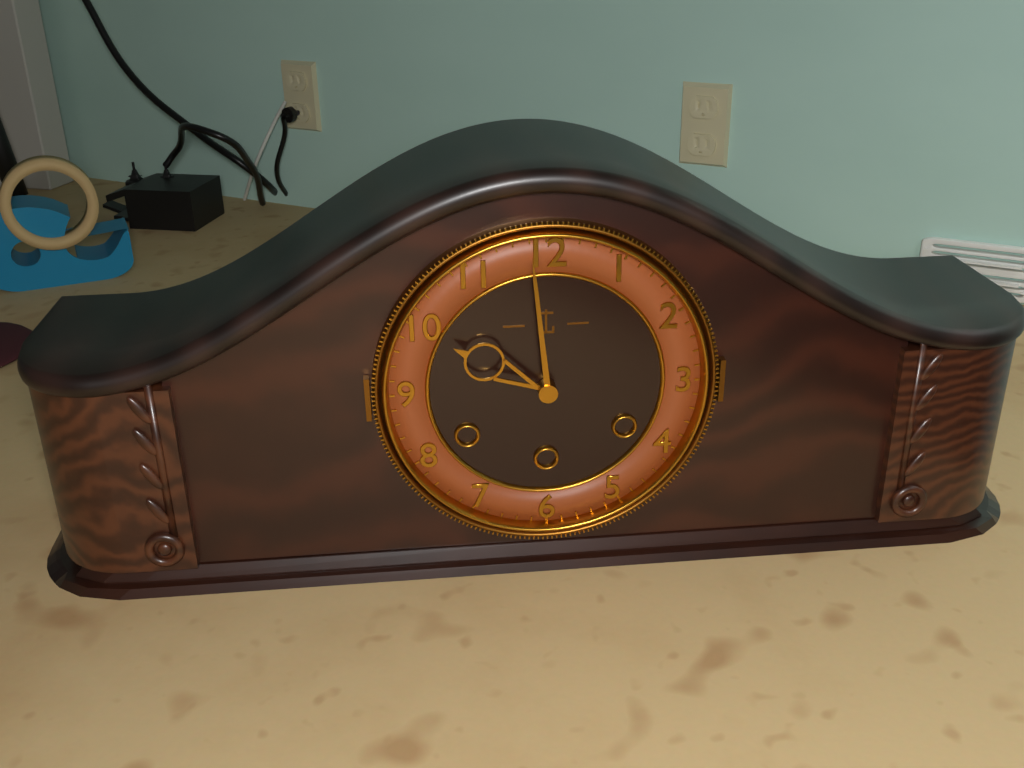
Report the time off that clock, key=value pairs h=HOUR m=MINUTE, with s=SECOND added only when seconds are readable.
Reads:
h=9 m=59
